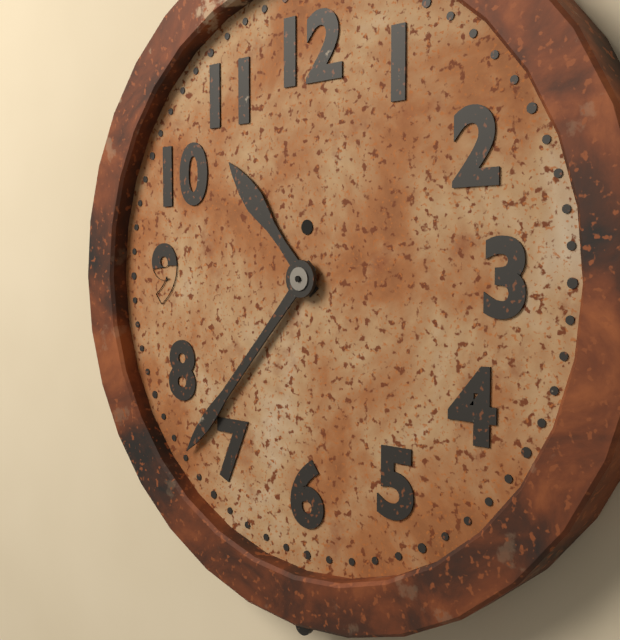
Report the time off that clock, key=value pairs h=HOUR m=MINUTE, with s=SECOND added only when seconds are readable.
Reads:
h=10 m=37
